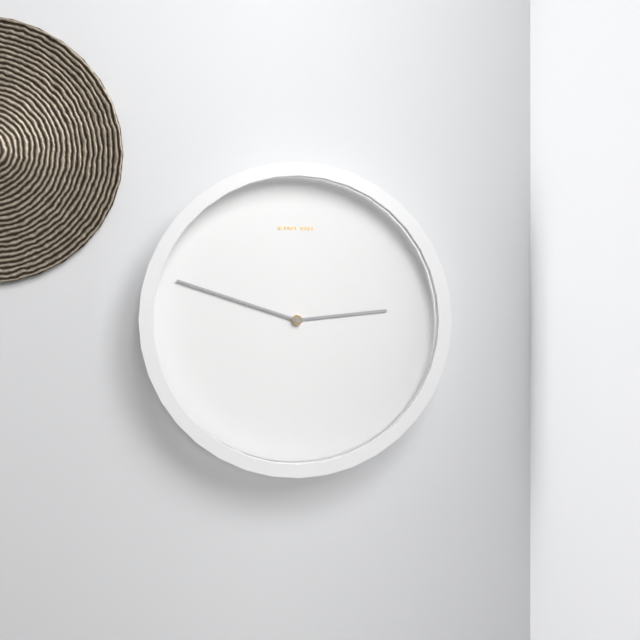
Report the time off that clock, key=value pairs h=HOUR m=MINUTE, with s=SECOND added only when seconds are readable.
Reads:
h=2 m=48
